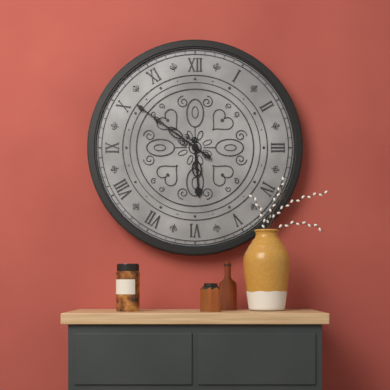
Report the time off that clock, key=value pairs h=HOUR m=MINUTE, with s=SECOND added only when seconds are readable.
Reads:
h=5 m=51
